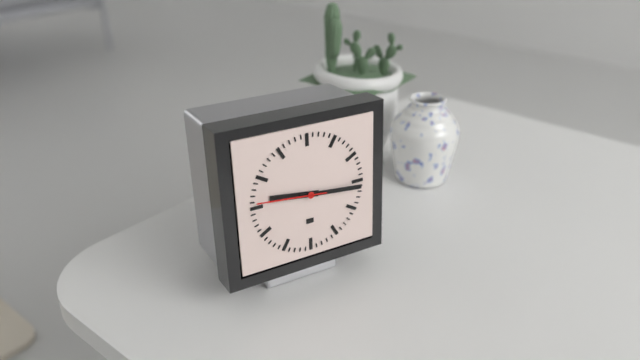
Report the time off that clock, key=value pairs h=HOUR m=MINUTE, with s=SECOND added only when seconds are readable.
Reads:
h=9 m=16 s=46
